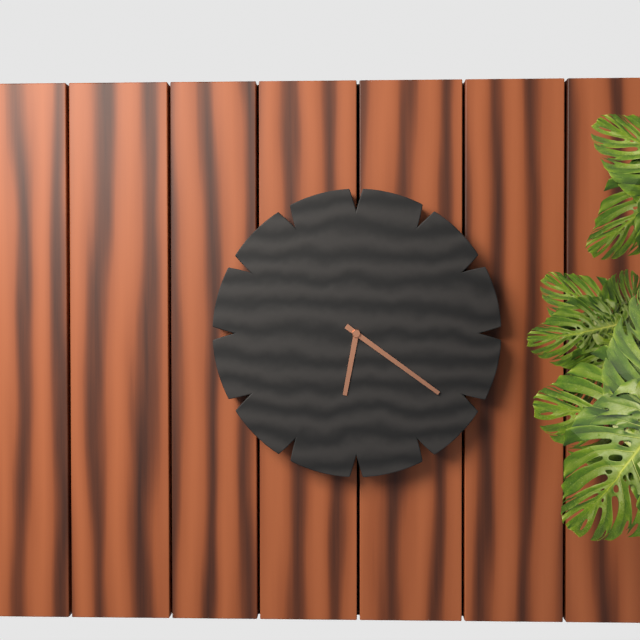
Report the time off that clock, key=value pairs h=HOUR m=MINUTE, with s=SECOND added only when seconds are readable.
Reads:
h=6 m=21
